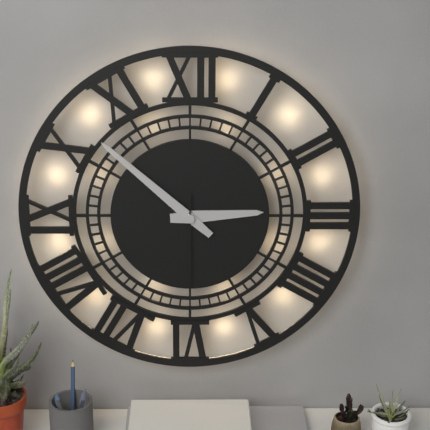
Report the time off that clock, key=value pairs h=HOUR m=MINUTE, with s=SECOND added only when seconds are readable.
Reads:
h=2 m=52 s=30
